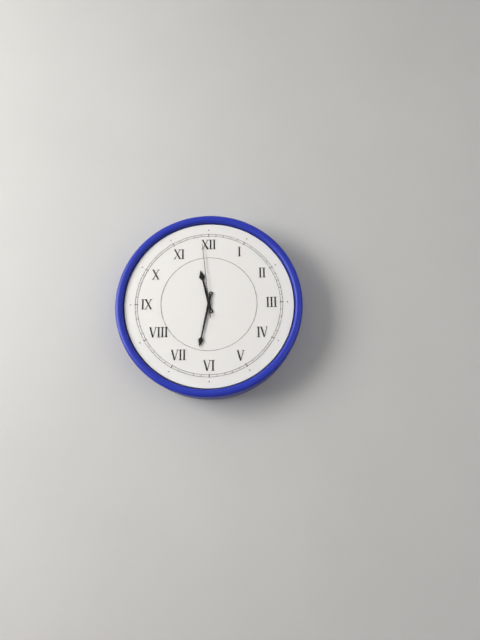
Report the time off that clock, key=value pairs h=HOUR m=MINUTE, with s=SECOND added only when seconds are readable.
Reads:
h=11 m=32 s=59
